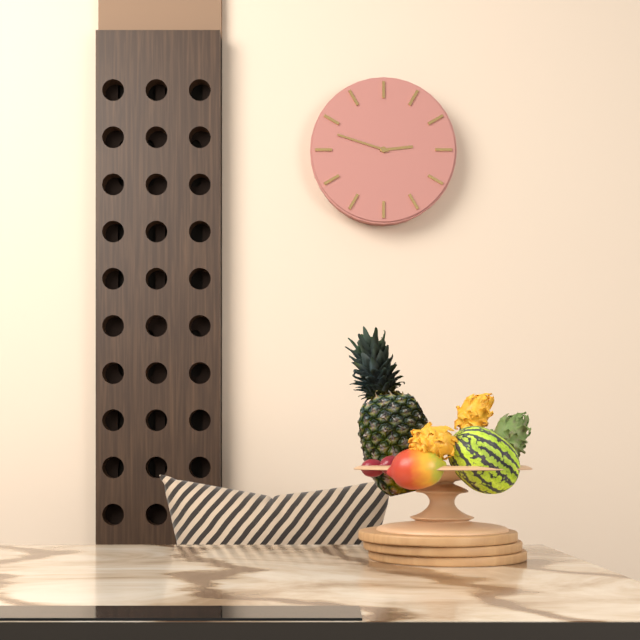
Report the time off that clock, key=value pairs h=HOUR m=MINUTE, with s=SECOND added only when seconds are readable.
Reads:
h=2 m=48
